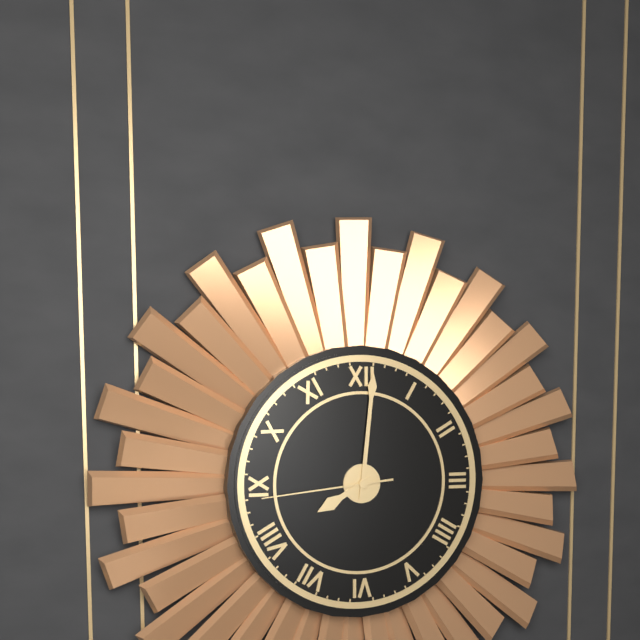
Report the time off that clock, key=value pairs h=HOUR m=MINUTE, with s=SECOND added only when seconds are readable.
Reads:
h=8 m=1 s=44
